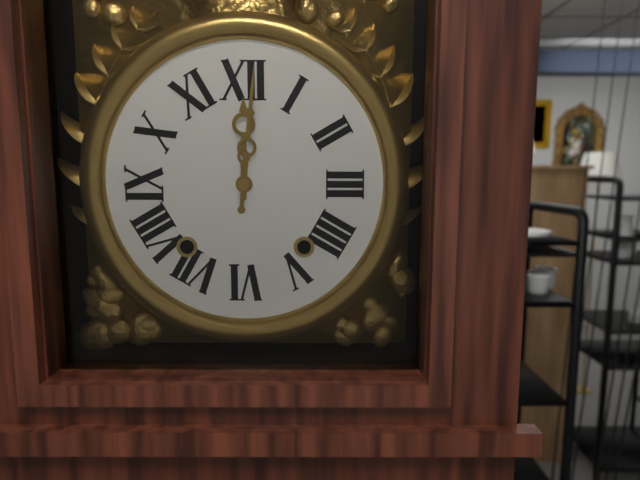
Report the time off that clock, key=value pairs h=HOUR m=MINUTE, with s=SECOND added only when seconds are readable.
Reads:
h=12 m=1
